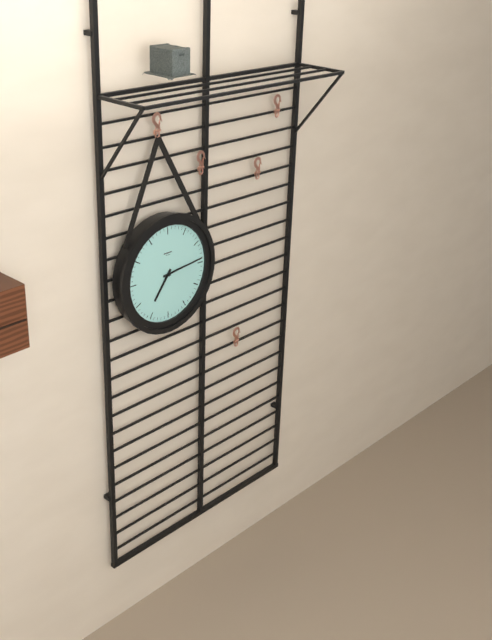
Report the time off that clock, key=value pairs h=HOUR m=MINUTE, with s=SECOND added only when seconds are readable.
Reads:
h=7 m=14
